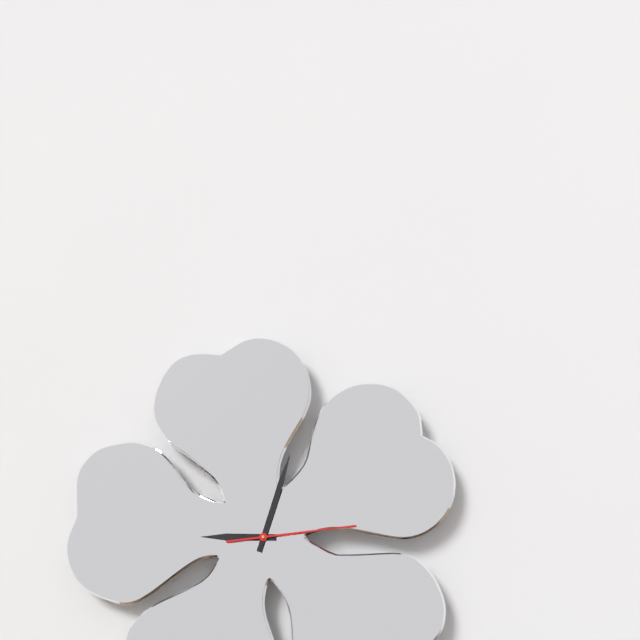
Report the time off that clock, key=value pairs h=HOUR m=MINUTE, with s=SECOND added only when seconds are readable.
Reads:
h=9 m=3 s=14
